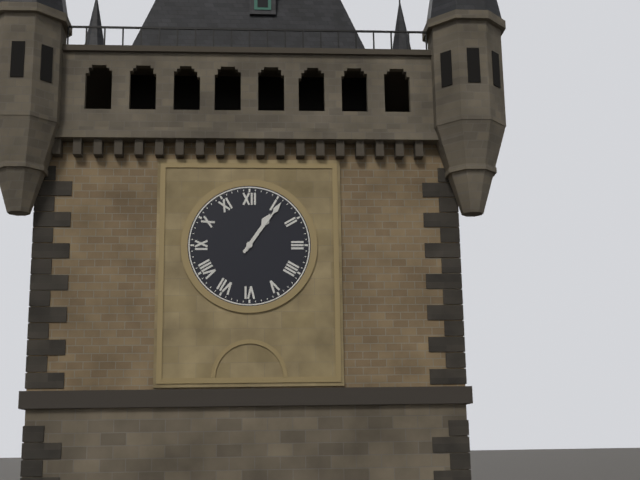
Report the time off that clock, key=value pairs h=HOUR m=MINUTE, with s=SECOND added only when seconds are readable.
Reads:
h=1 m=6
